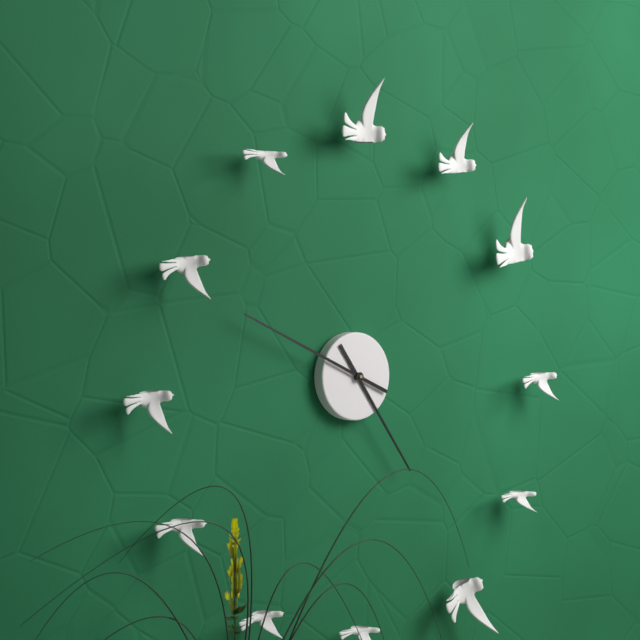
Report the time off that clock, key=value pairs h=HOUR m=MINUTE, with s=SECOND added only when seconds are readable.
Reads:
h=4 m=49
